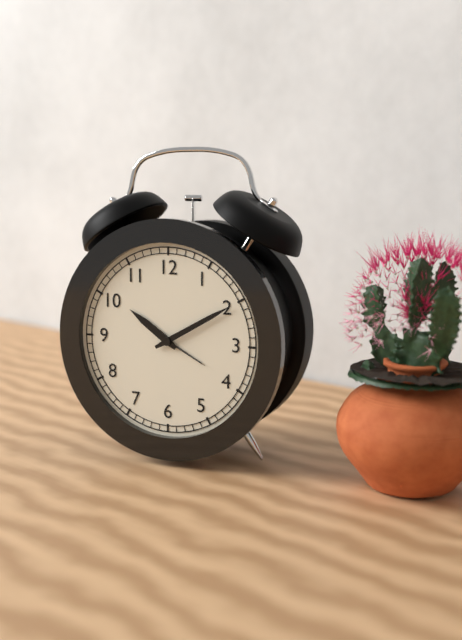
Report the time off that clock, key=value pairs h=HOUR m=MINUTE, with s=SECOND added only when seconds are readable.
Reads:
h=10 m=10
